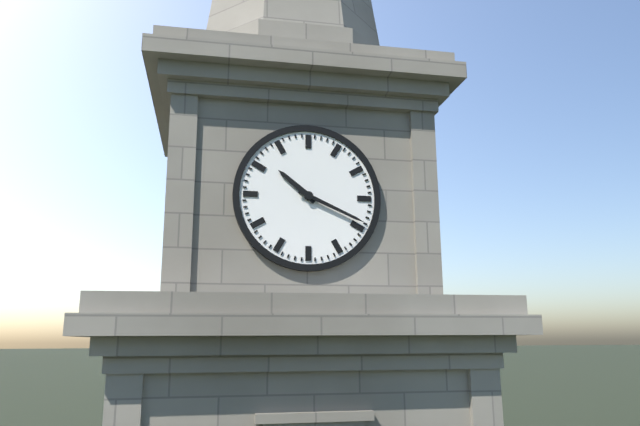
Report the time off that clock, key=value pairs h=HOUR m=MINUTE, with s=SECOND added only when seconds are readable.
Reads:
h=10 m=19
